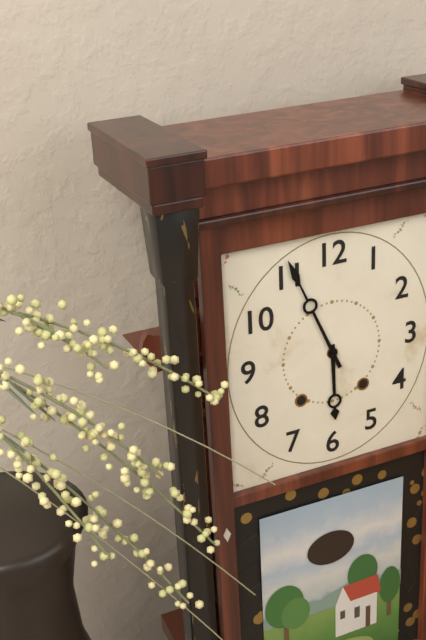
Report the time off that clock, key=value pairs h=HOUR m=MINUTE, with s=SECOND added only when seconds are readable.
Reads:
h=5 m=56
